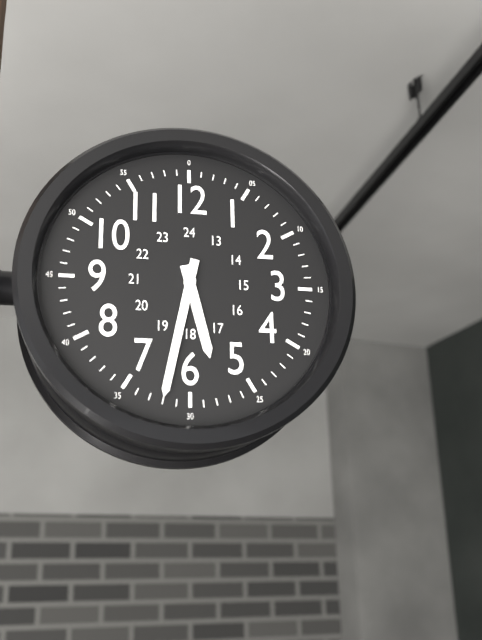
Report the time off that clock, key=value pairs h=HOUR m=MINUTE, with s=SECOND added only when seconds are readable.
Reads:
h=5 m=32
